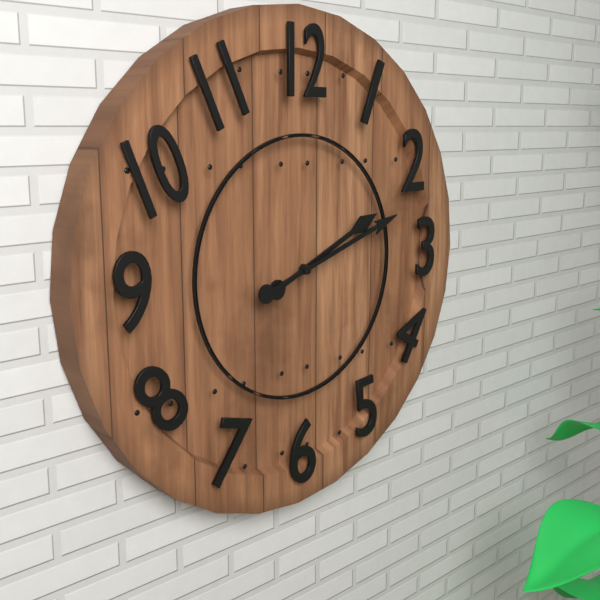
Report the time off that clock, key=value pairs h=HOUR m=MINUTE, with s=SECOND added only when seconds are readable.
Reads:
h=2 m=12
